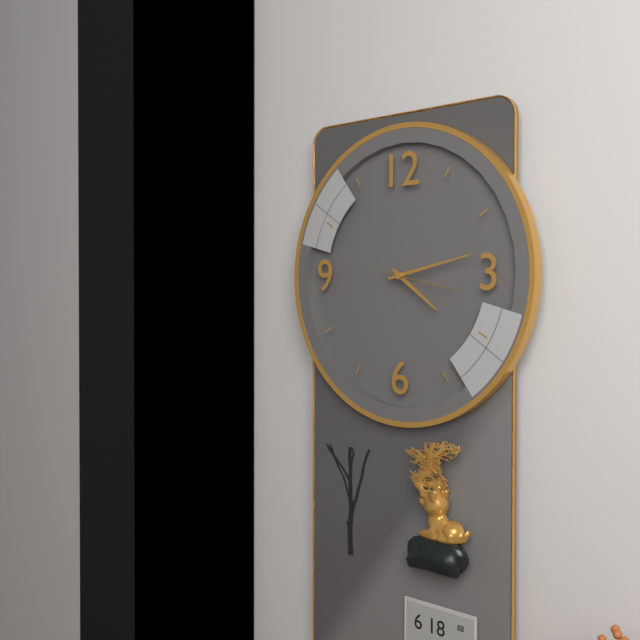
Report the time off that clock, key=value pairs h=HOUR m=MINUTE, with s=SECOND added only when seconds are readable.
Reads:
h=4 m=13 s=17
